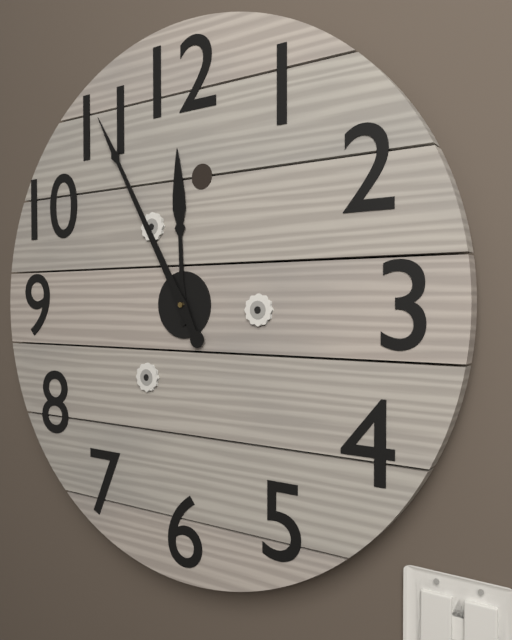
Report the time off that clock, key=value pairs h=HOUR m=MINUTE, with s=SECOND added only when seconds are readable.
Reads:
h=11 m=55
